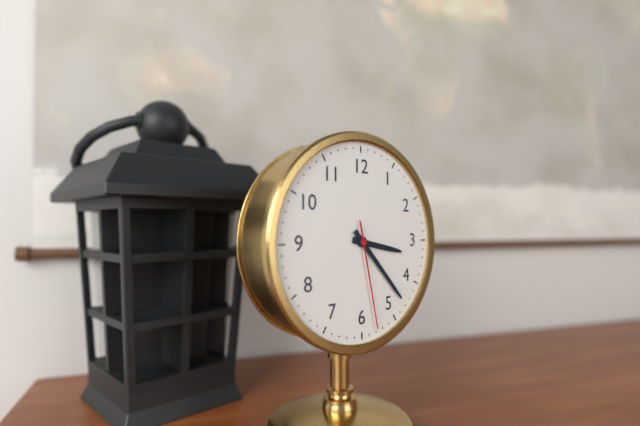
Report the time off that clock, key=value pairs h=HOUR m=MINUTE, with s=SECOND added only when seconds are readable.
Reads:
h=3 m=23 s=28
